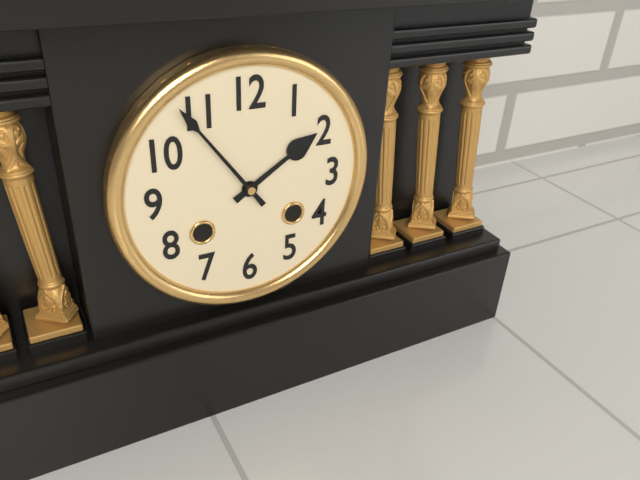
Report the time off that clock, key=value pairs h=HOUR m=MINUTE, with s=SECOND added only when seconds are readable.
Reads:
h=1 m=54
